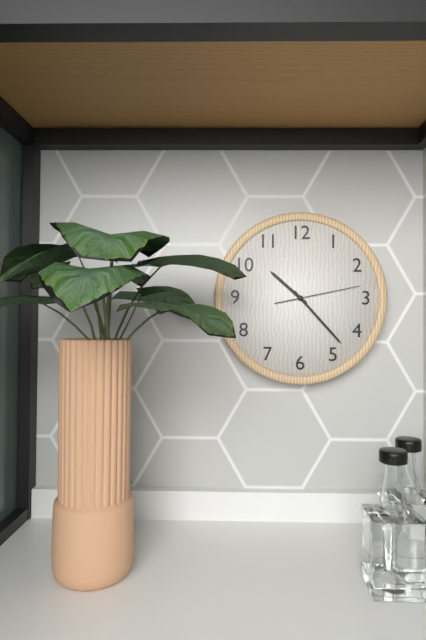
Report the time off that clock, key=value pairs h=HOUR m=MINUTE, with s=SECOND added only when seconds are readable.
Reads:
h=10 m=23 s=13
